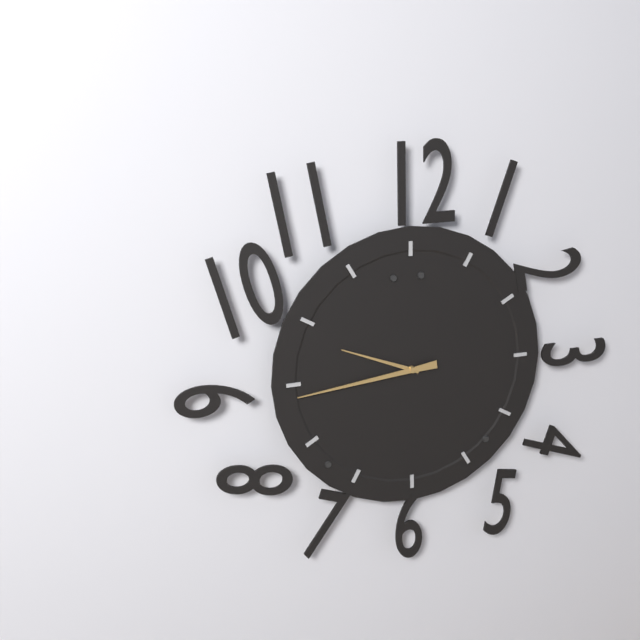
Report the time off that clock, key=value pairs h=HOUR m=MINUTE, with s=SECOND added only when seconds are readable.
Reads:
h=9 m=44
